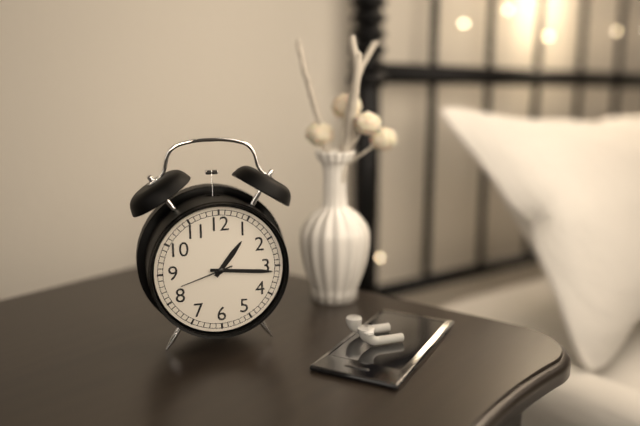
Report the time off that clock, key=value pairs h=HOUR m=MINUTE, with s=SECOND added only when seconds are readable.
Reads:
h=1 m=16 s=42
